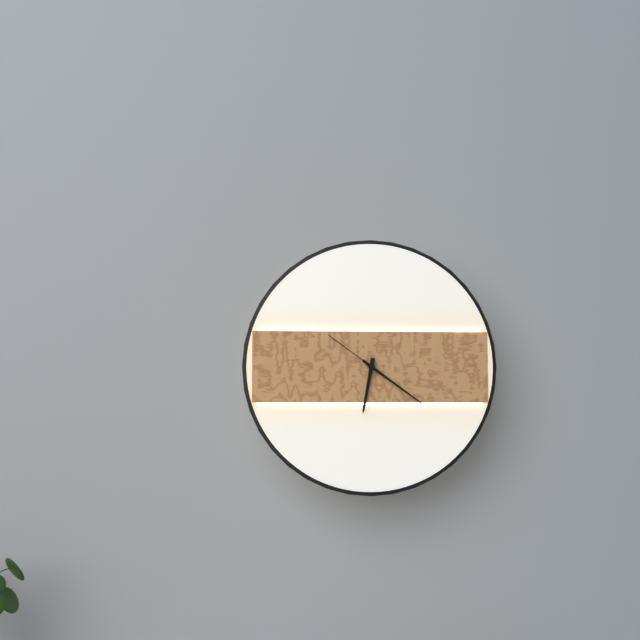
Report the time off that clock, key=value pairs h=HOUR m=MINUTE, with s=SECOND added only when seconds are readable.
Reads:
h=6 m=21 s=51
